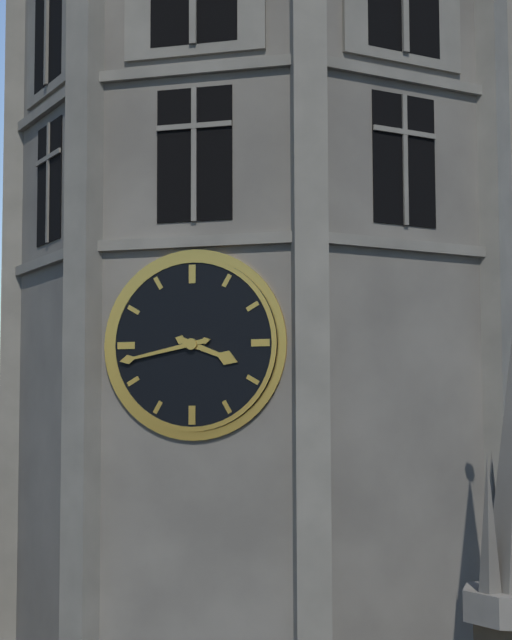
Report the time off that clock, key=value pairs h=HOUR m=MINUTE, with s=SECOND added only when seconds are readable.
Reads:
h=3 m=43
